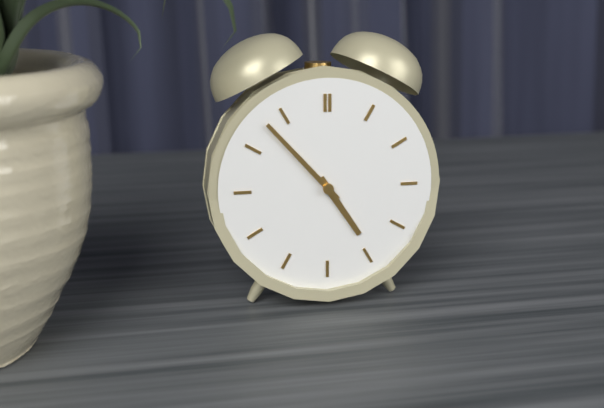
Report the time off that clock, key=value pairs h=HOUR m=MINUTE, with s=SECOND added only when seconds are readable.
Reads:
h=4 m=53
